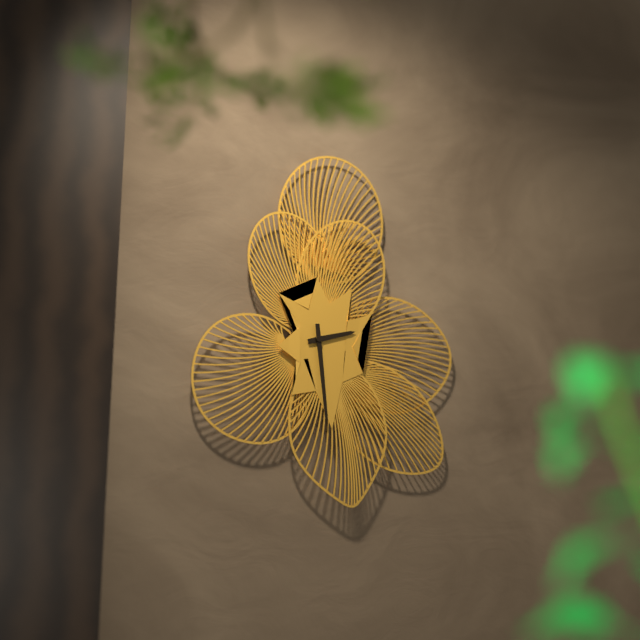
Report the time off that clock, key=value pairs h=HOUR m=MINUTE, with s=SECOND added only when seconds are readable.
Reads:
h=2 m=29
